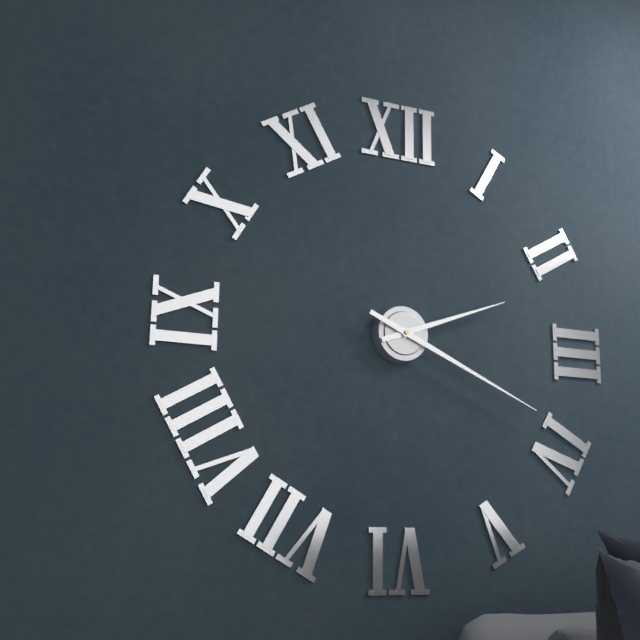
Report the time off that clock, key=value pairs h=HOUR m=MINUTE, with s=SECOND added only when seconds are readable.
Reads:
h=2 m=19
